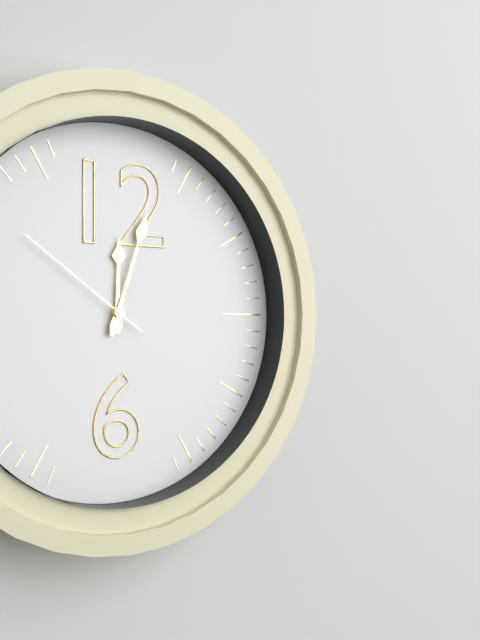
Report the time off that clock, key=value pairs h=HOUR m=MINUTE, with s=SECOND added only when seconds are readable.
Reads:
h=12 m=3 s=51
